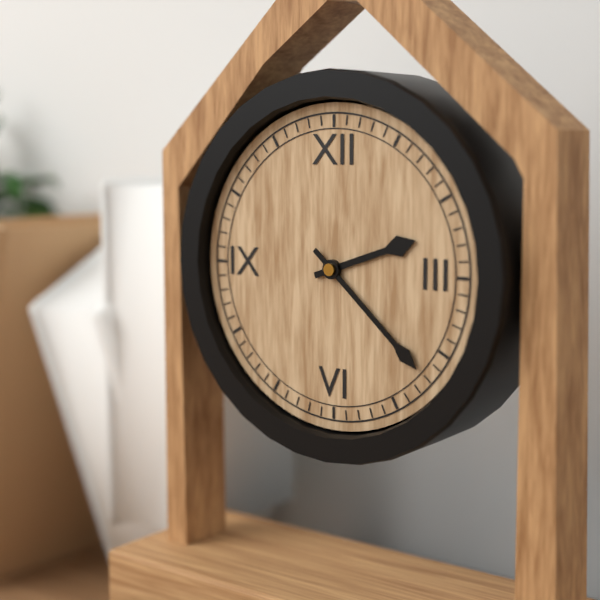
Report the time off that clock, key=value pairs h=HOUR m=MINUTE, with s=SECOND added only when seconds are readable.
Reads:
h=2 m=22
